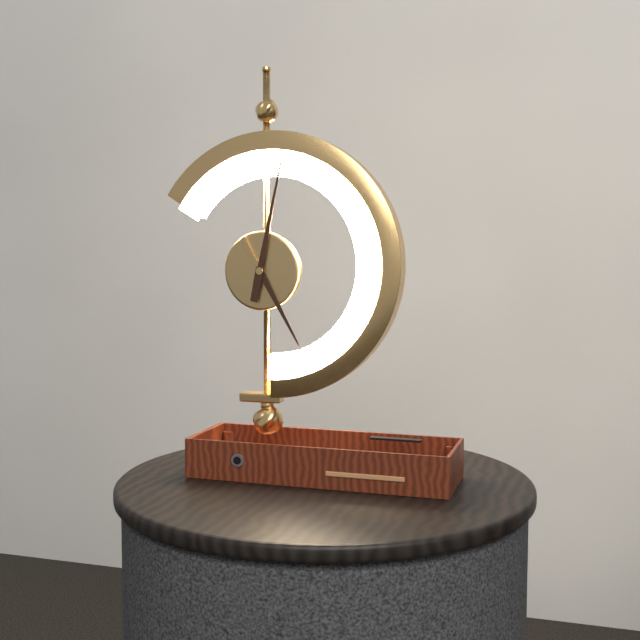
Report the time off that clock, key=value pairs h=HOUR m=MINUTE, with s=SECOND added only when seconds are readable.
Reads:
h=5 m=2
